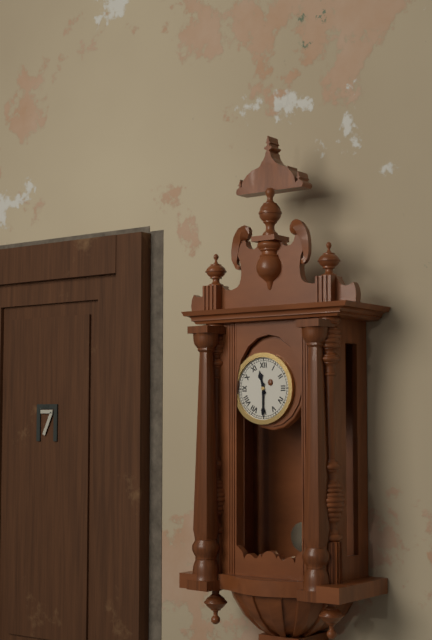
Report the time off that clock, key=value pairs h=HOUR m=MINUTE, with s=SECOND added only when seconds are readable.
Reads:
h=11 m=30
